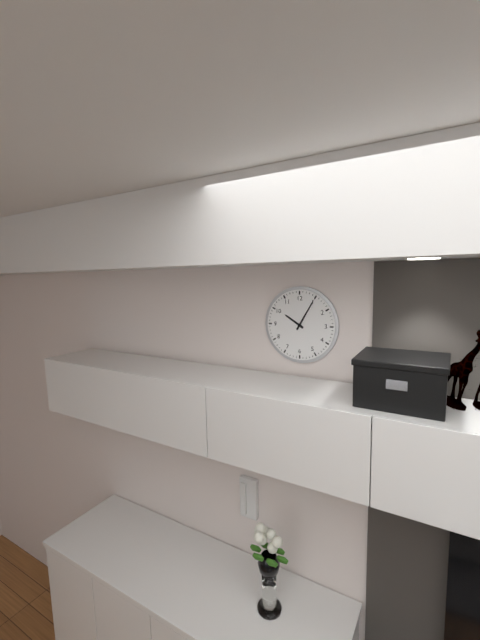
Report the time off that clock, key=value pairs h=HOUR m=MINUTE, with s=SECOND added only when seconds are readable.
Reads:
h=10 m=5
